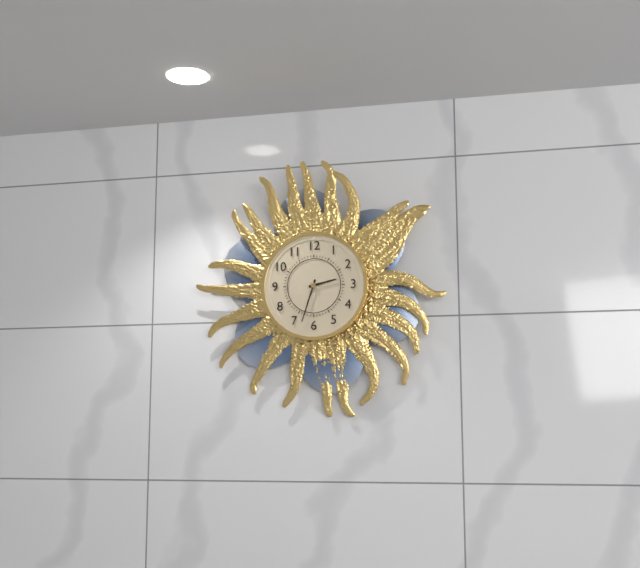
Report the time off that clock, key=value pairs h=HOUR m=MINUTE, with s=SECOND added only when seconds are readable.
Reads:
h=2 m=33
